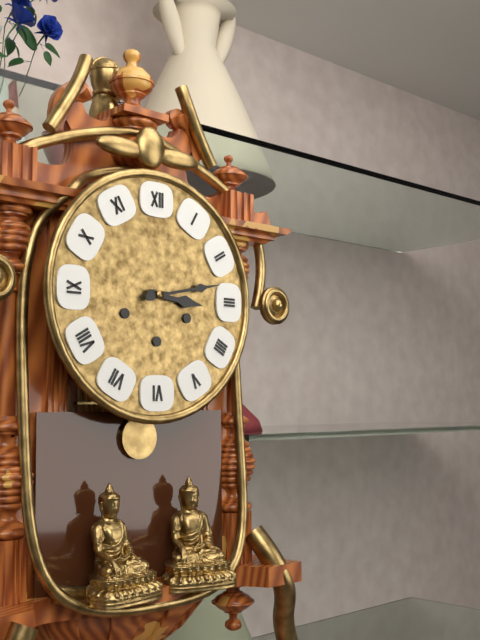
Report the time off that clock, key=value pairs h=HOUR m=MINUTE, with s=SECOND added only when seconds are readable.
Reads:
h=3 m=13
